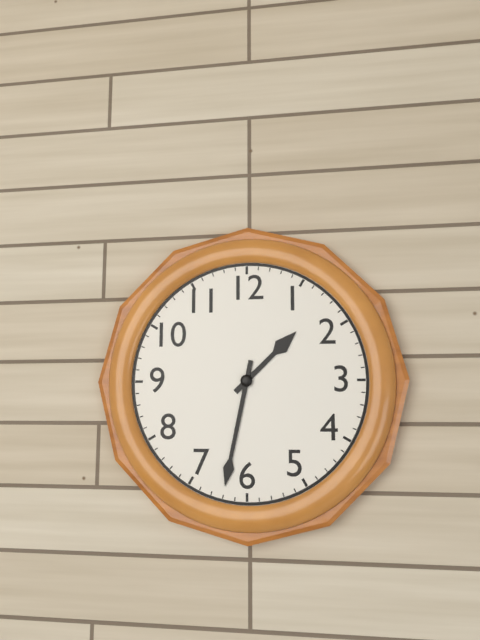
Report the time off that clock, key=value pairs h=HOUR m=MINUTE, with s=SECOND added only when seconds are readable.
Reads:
h=1 m=32
